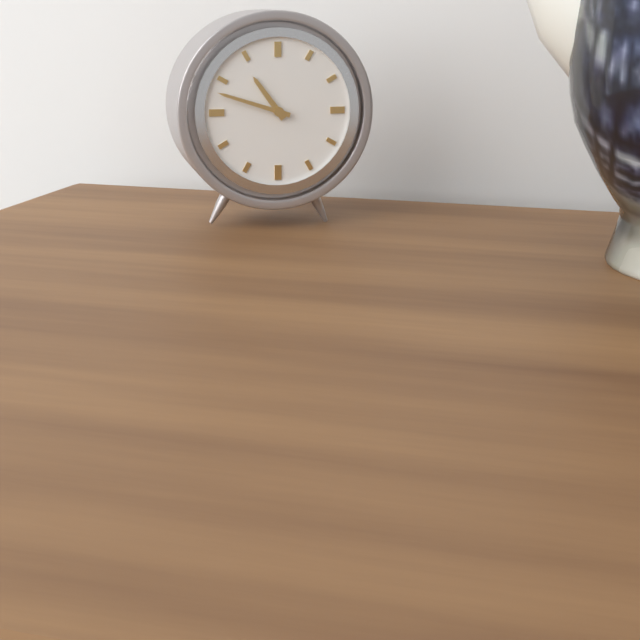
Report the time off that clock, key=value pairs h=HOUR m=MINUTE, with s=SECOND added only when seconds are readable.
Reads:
h=10 m=48
